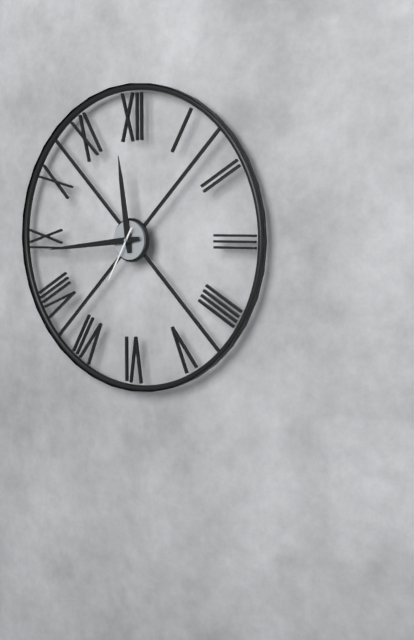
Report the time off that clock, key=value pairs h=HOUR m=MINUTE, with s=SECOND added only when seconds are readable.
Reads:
h=11 m=44 s=35
